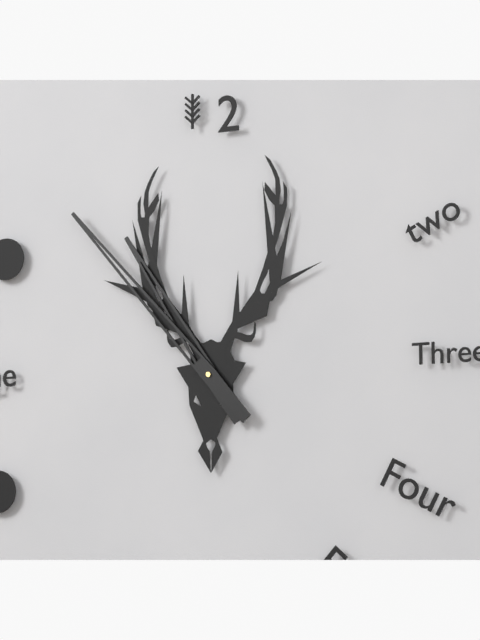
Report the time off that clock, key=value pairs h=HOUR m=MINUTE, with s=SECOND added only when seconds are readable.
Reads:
h=10 m=53
